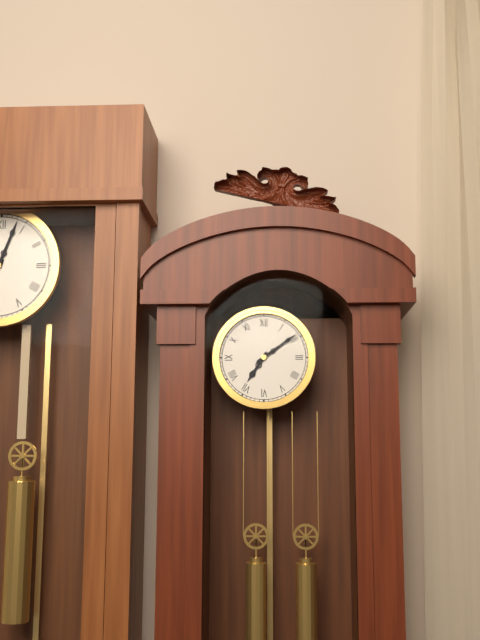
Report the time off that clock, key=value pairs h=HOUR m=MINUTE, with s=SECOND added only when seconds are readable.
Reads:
h=7 m=9
